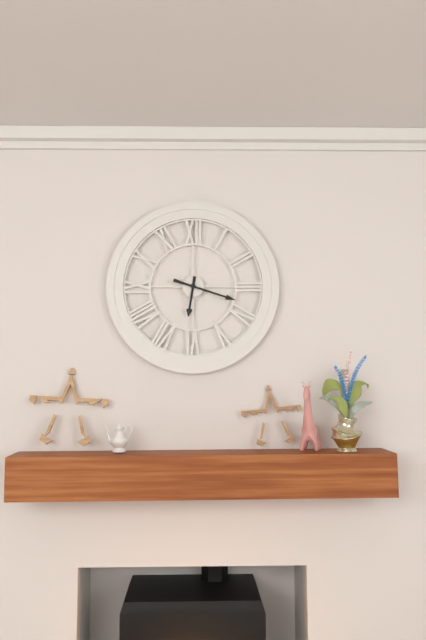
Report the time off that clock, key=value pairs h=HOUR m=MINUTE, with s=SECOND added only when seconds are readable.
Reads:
h=6 m=18
